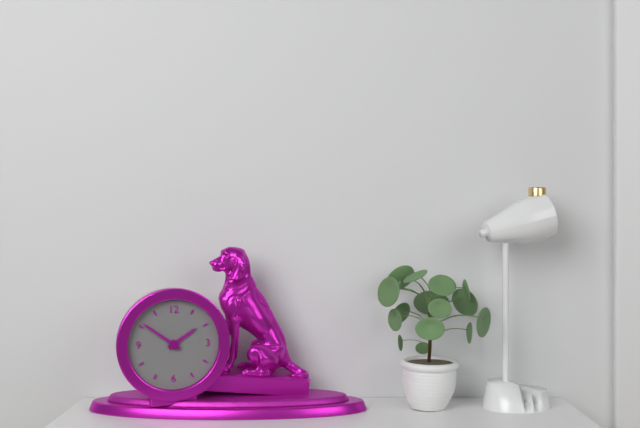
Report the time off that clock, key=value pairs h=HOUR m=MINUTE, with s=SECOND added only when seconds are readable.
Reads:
h=1 m=51
